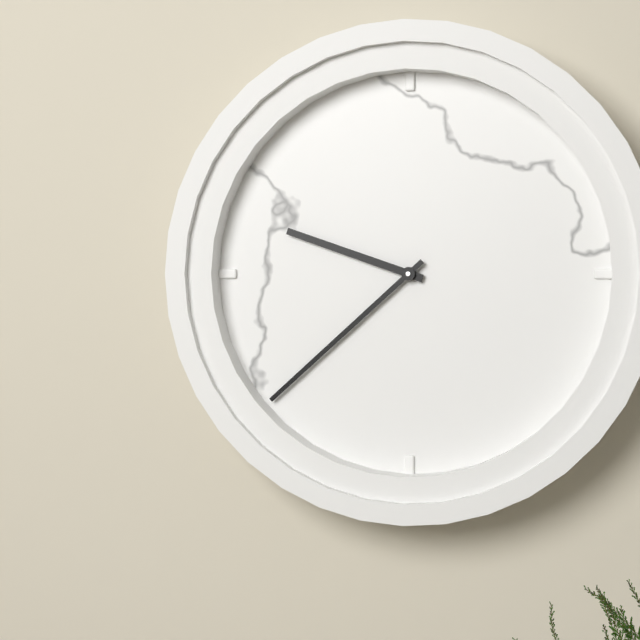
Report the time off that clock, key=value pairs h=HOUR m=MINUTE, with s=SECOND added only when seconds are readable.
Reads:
h=9 m=38
